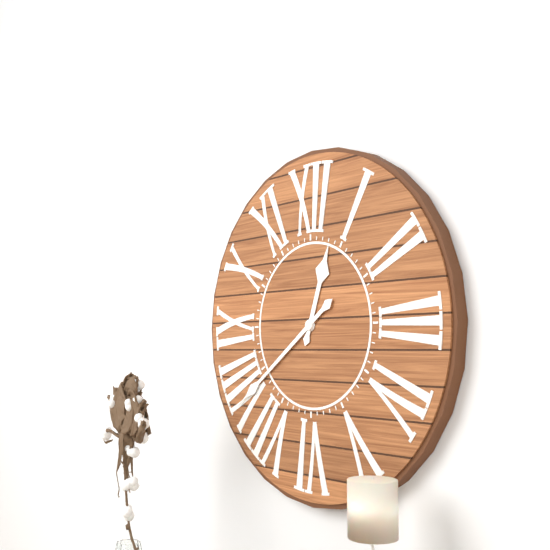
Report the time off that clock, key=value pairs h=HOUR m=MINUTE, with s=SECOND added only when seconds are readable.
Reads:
h=12 m=39
